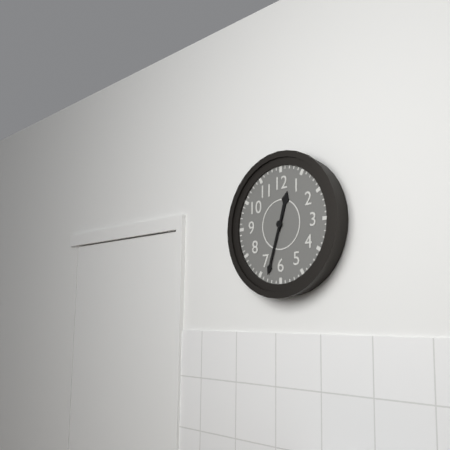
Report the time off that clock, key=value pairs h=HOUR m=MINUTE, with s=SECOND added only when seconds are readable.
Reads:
h=12 m=33
